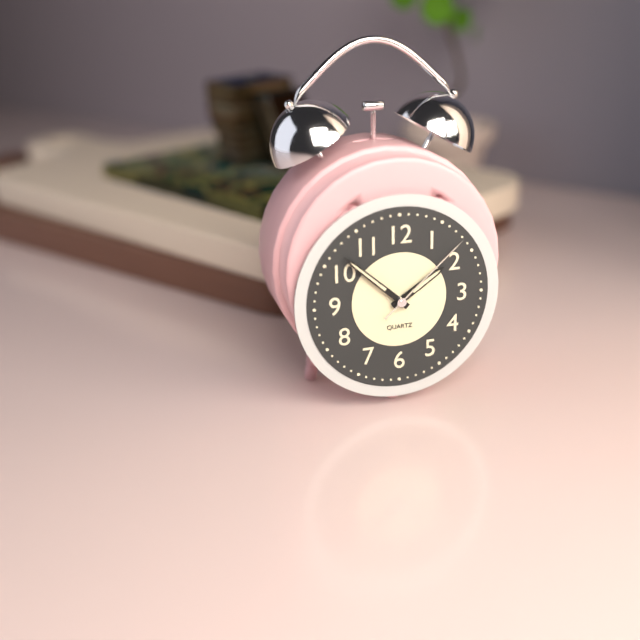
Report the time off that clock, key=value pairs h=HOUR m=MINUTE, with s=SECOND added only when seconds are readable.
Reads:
h=1 m=52 s=8
